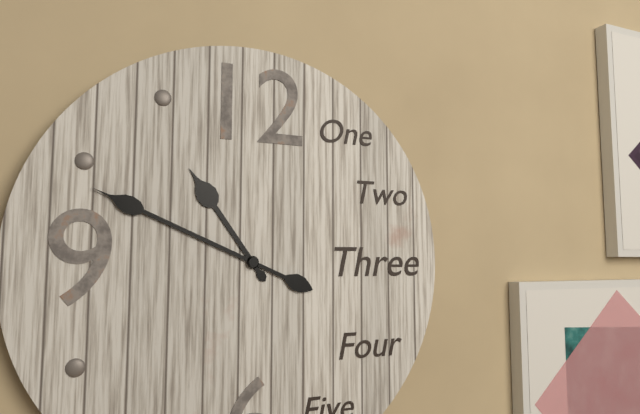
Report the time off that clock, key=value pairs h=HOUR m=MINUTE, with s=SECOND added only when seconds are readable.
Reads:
h=10 m=49
